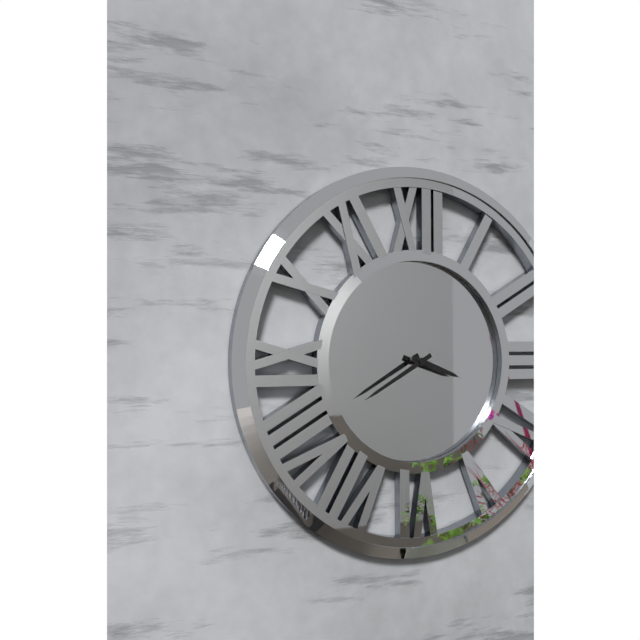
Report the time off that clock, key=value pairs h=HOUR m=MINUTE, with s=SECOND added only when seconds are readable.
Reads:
h=3 m=40
